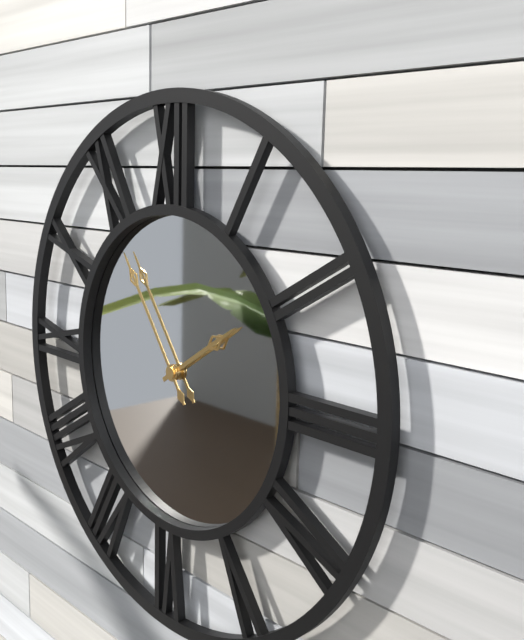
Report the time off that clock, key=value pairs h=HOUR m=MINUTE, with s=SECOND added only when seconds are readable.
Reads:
h=1 m=54
